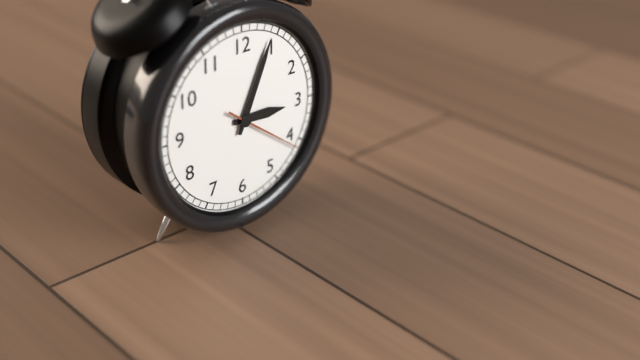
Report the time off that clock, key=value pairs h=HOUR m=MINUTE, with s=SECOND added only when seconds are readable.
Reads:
h=3 m=4 s=21
